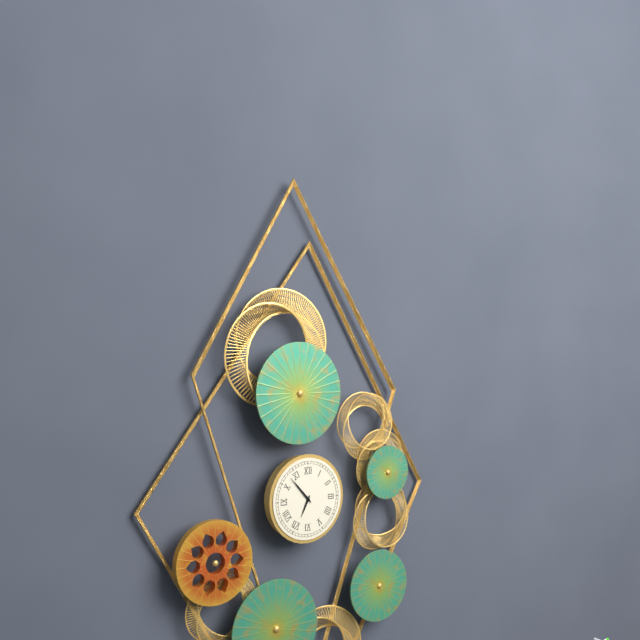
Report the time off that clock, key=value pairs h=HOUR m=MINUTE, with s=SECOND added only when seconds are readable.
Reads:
h=6 m=53
